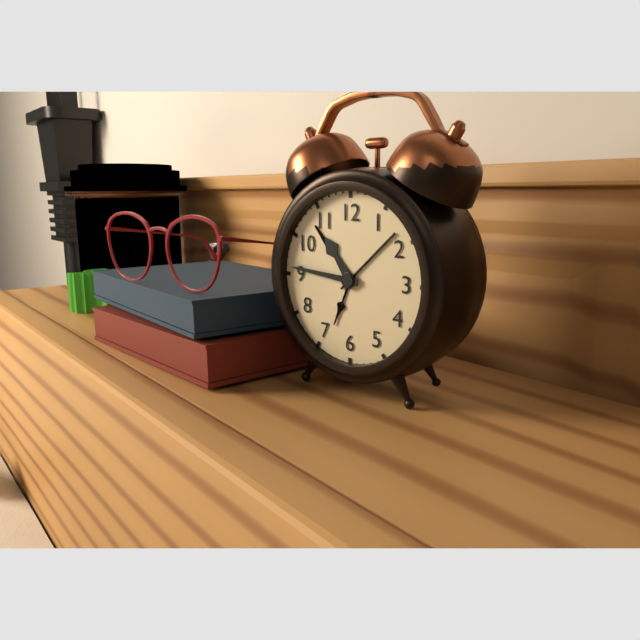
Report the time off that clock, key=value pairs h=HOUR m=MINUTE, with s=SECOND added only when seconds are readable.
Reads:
h=10 m=46
